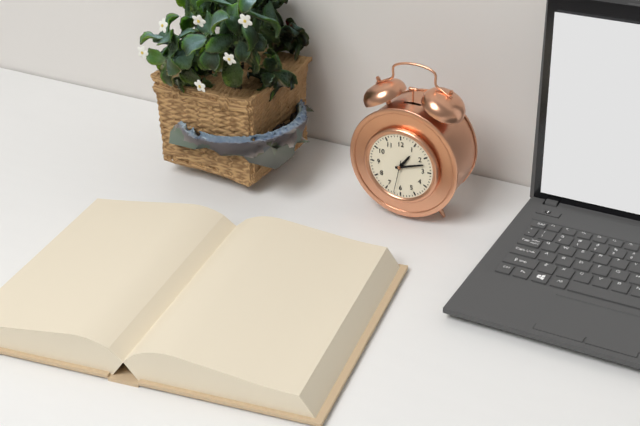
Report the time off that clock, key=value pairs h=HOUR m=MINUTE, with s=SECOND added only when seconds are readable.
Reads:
h=1 m=12
